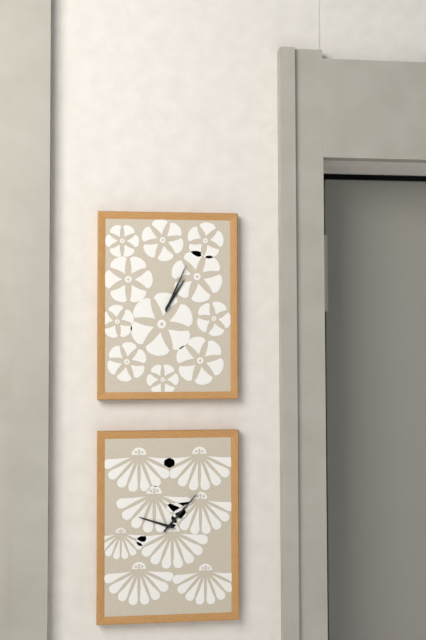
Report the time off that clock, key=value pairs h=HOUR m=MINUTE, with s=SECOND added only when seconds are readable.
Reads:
h=1 m=4
